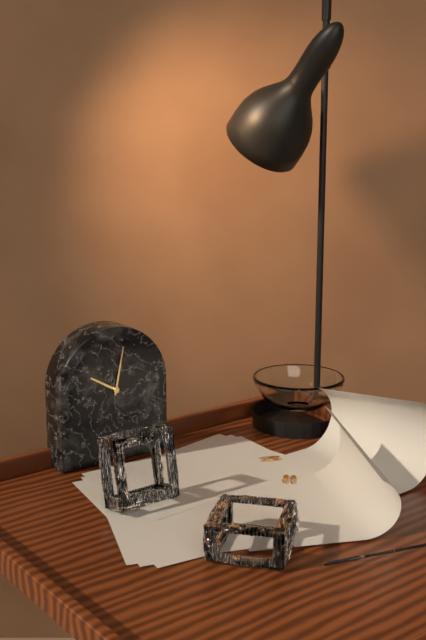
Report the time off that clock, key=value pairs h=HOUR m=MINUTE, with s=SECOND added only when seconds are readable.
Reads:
h=10 m=2
